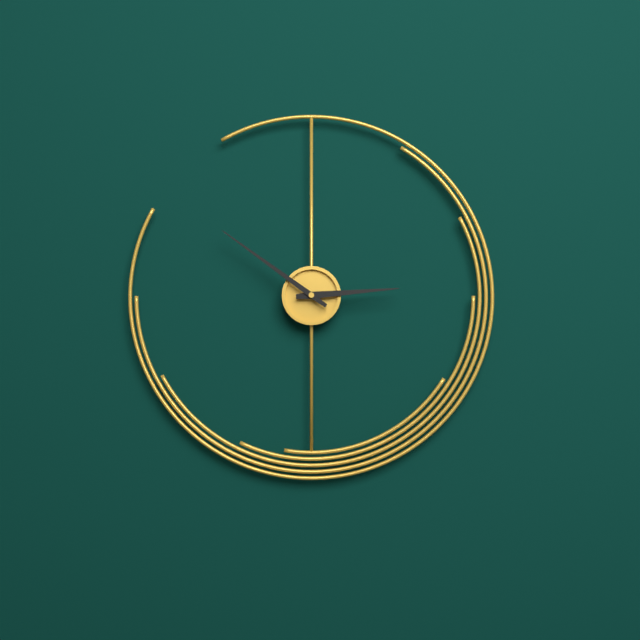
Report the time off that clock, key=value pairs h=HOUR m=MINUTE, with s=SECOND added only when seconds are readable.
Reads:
h=2 m=51
